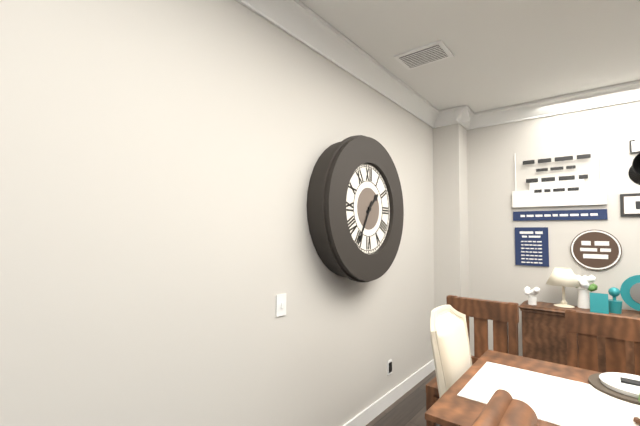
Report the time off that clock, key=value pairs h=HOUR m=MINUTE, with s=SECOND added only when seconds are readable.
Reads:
h=1 m=35
